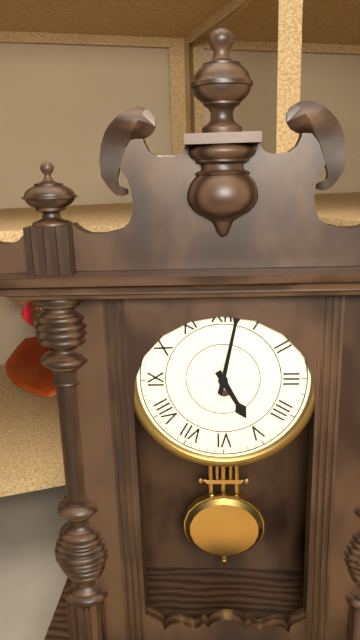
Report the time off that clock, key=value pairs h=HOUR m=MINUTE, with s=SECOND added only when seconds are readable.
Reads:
h=5 m=2
